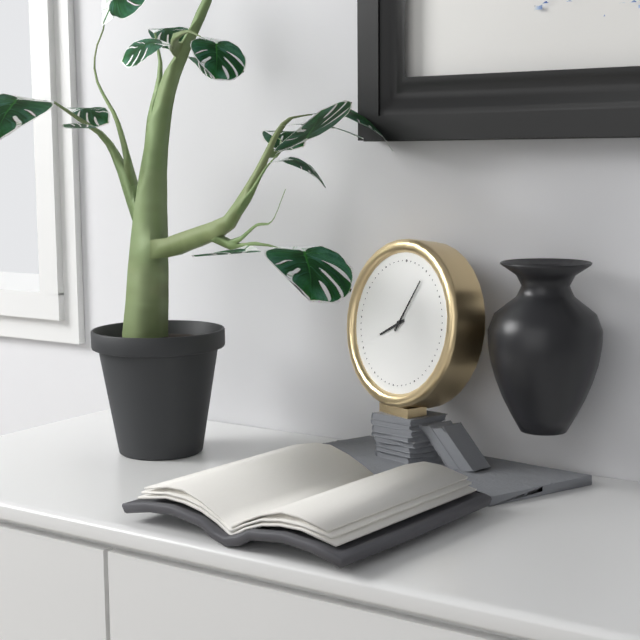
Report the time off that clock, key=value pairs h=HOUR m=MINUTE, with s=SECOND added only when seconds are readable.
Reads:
h=8 m=5
